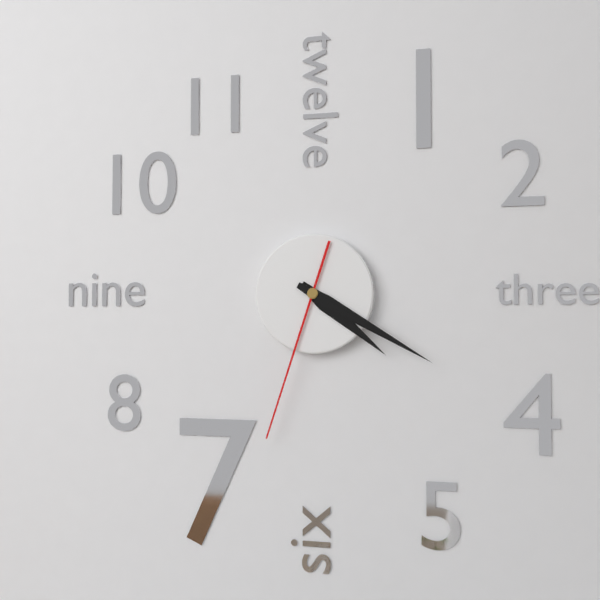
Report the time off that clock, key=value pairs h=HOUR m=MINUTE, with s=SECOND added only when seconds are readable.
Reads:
h=4 m=20 s=33
